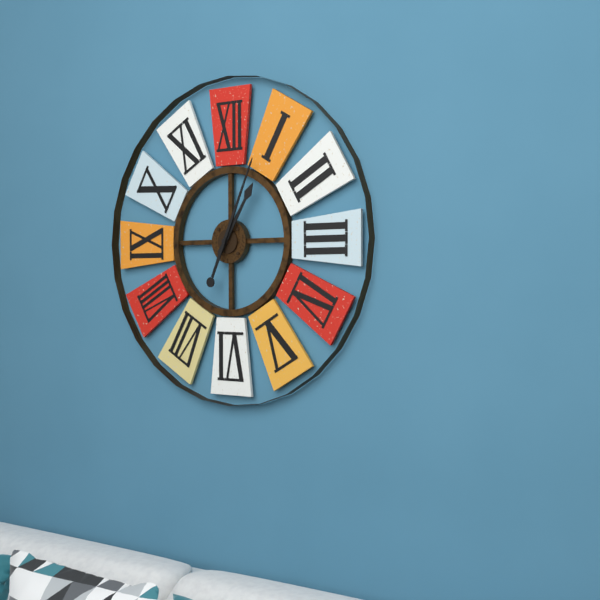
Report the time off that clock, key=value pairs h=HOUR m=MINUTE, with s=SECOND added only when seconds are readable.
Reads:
h=1 m=4
